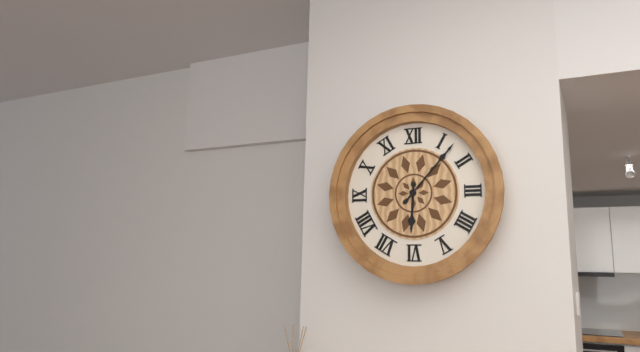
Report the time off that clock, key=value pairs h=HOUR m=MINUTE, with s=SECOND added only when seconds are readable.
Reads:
h=6 m=7
